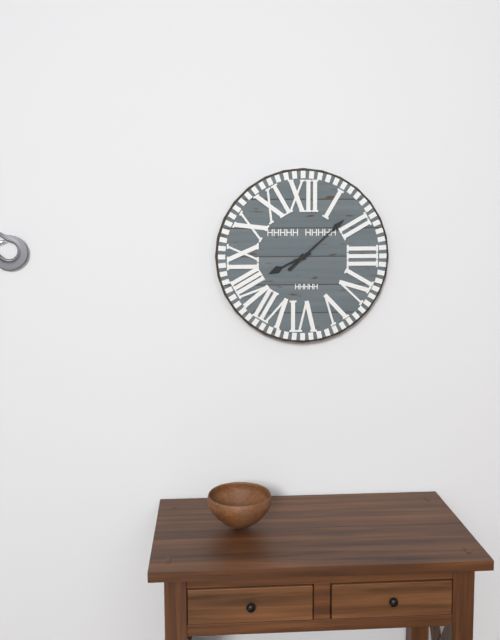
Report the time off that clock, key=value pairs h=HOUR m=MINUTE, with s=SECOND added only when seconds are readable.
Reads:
h=8 m=8
